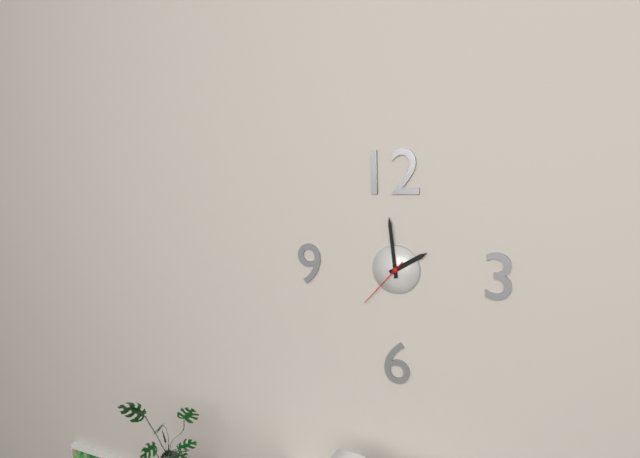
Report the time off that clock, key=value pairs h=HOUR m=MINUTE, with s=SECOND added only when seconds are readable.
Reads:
h=1 m=59 s=37
